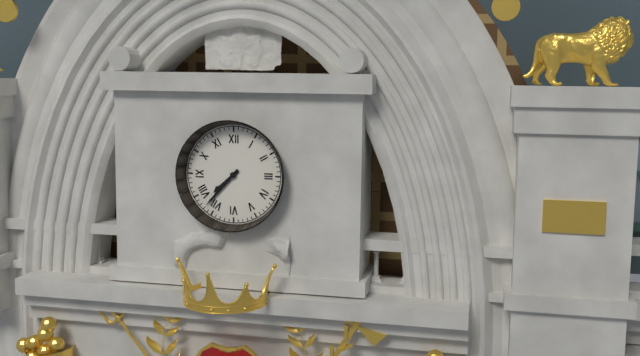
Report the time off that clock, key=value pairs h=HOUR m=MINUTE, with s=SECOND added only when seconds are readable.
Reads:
h=7 m=37
